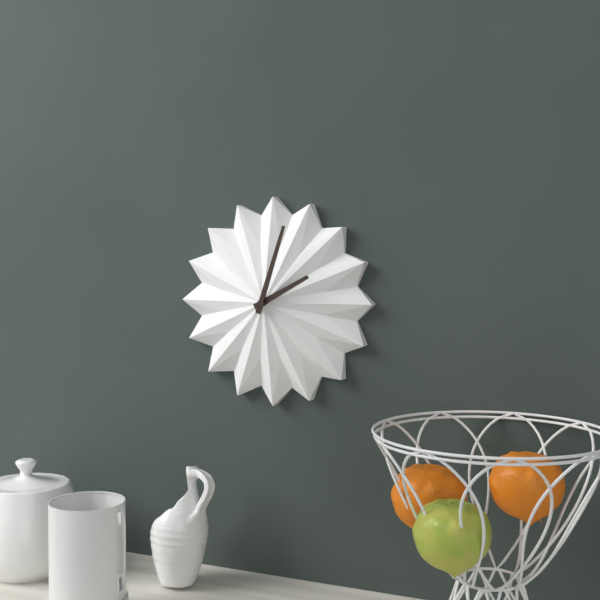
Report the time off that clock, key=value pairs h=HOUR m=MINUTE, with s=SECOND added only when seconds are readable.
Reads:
h=2 m=3
